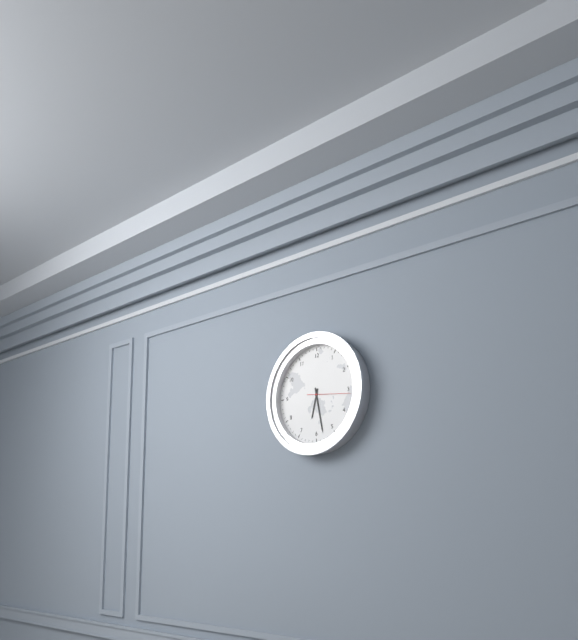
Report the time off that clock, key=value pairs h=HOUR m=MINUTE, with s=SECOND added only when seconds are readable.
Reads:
h=6 m=28
